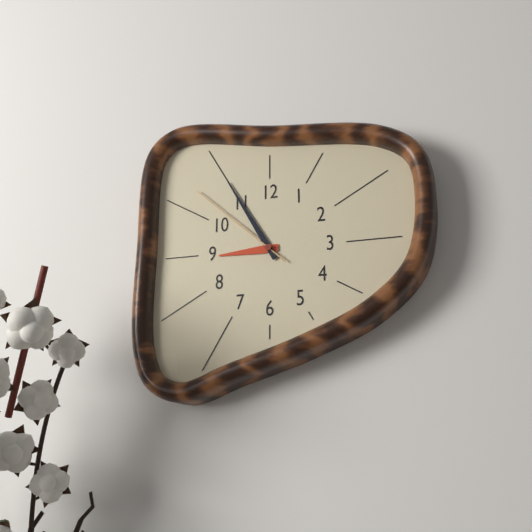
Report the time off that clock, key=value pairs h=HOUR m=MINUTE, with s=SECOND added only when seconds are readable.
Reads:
h=8 m=55 s=52
